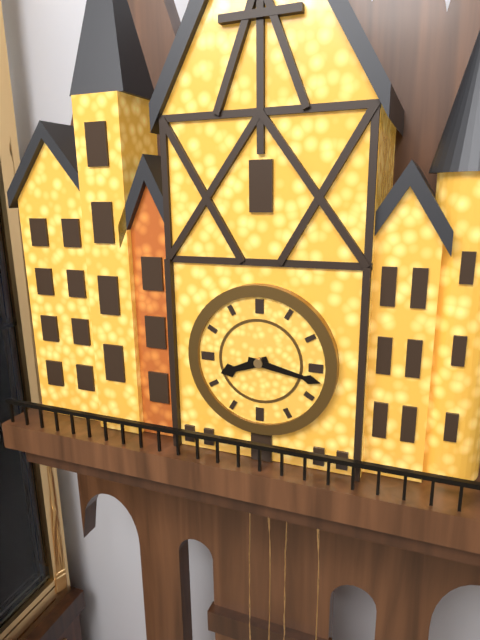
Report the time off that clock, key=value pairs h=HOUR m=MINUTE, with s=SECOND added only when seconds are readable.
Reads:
h=8 m=17
